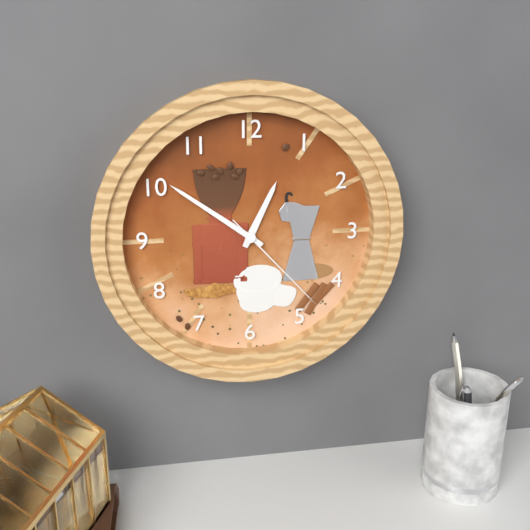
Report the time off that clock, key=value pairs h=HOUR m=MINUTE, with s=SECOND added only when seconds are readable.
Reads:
h=12 m=51 s=23
